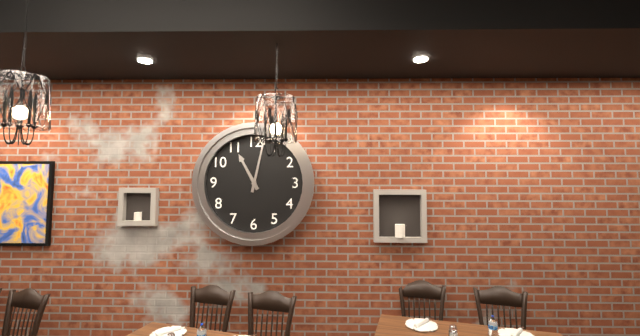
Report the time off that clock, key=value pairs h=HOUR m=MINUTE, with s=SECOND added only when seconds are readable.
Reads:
h=11 m=2
